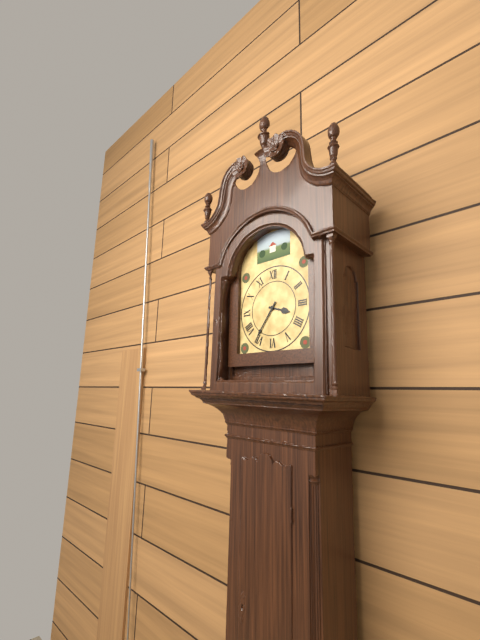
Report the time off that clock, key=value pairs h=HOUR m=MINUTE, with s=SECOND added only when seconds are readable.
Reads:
h=3 m=36
